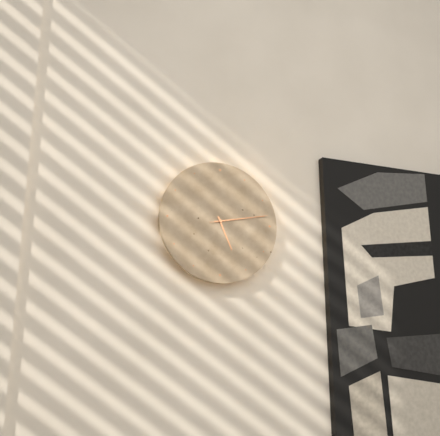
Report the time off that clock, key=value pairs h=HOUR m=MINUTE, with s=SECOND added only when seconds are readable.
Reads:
h=5 m=13 s=13
